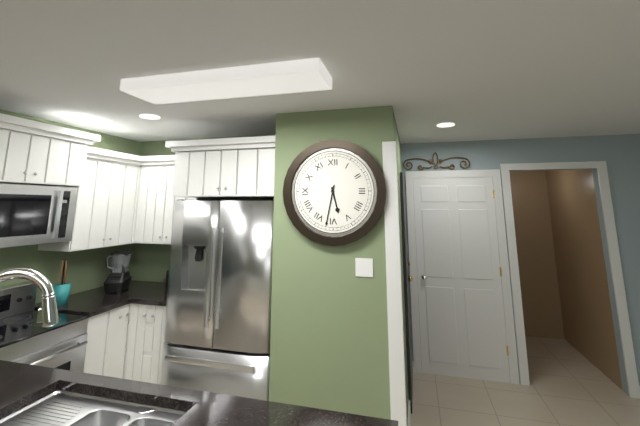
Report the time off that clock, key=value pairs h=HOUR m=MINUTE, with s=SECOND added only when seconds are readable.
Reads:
h=5 m=32
